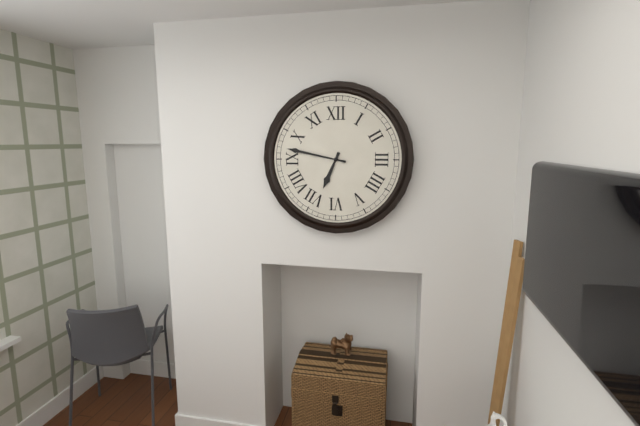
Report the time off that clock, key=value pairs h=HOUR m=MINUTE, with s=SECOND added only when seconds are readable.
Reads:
h=6 m=47
